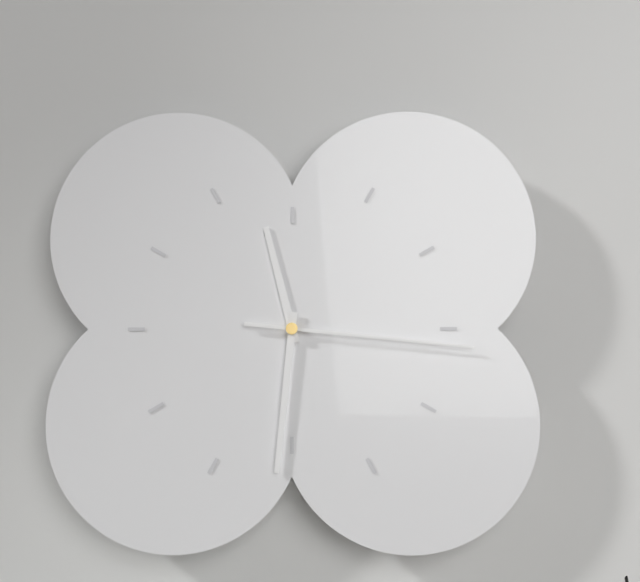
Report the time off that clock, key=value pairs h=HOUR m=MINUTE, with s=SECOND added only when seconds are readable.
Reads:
h=11 m=31 s=16
